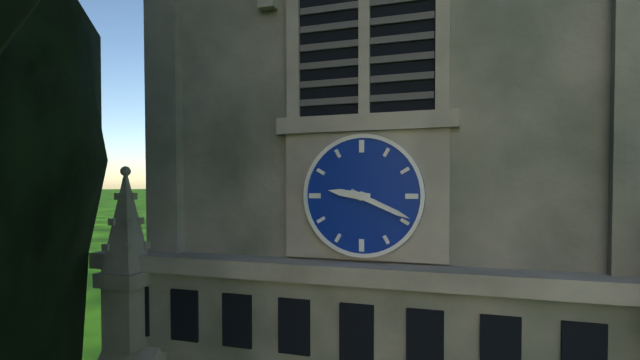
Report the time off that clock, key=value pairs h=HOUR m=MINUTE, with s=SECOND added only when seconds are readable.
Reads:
h=9 m=19
